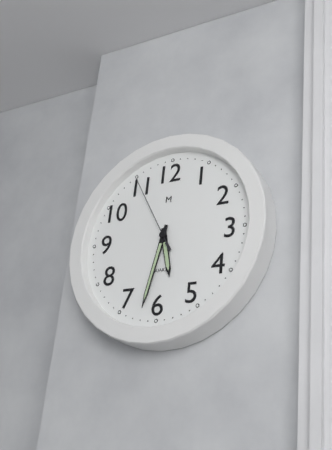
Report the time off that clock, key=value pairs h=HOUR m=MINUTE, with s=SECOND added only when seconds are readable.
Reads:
h=5 m=32 s=55
